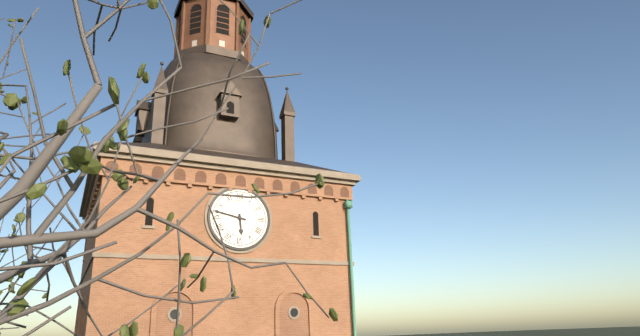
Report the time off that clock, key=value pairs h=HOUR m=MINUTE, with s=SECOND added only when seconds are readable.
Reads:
h=5 m=47
